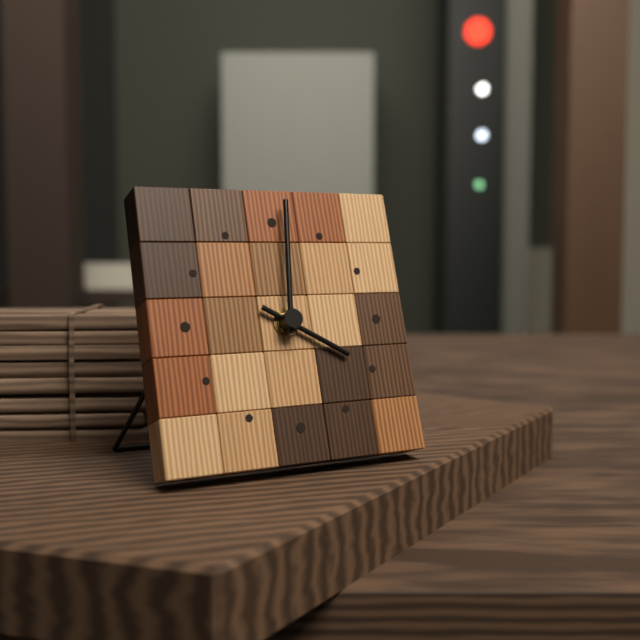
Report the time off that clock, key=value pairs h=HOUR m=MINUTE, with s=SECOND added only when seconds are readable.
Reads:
h=4 m=1
